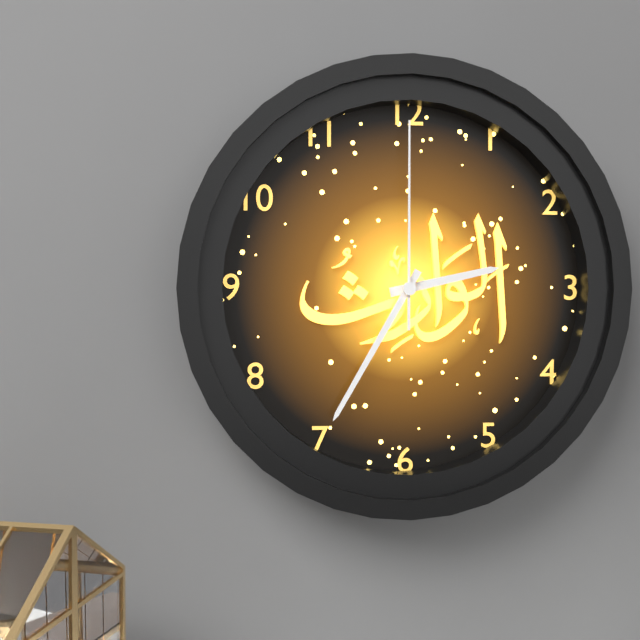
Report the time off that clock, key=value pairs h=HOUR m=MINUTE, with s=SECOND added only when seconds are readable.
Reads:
h=2 m=35 s=0
